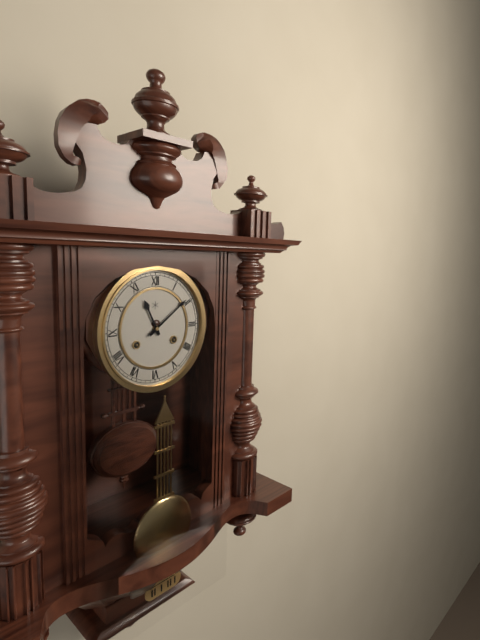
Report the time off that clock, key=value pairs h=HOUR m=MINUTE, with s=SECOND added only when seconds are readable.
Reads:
h=11 m=9
